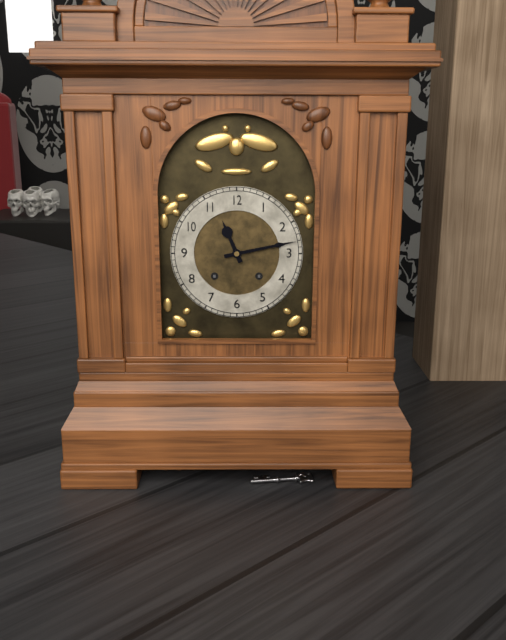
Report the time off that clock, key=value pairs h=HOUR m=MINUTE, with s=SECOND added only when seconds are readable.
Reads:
h=11 m=13
